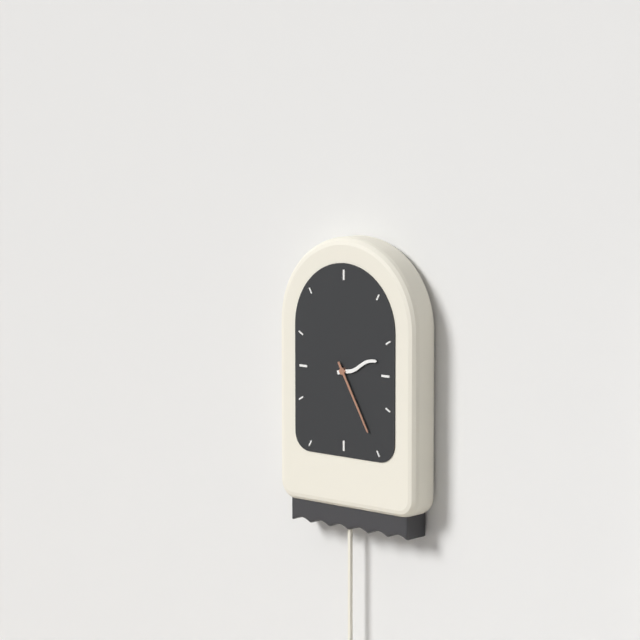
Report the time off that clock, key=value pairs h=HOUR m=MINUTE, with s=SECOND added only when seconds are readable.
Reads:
h=2 m=25
